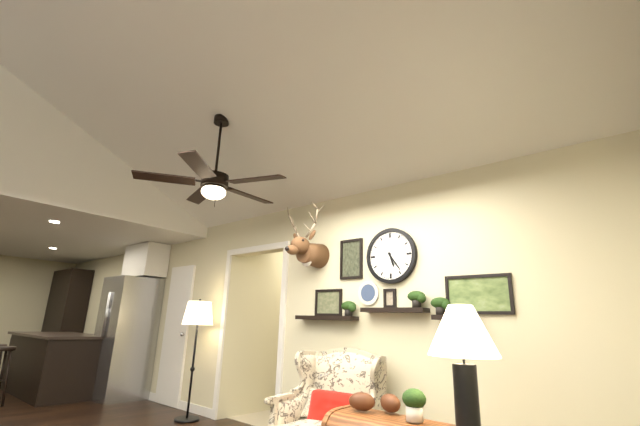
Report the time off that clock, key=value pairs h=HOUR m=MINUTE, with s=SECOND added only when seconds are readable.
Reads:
h=5 m=24
